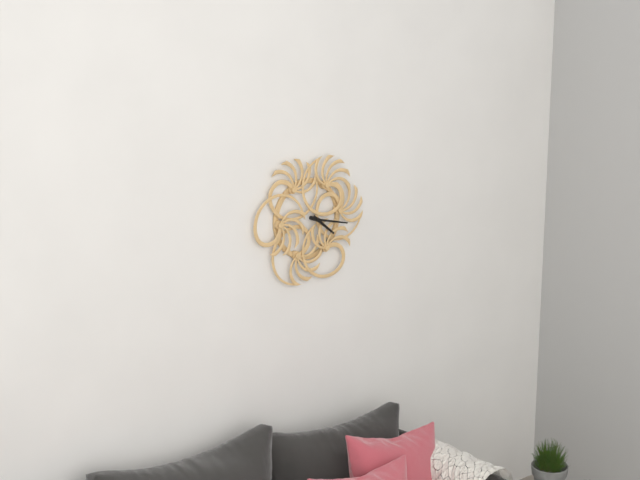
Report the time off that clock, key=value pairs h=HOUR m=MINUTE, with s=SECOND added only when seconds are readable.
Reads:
h=4 m=17
